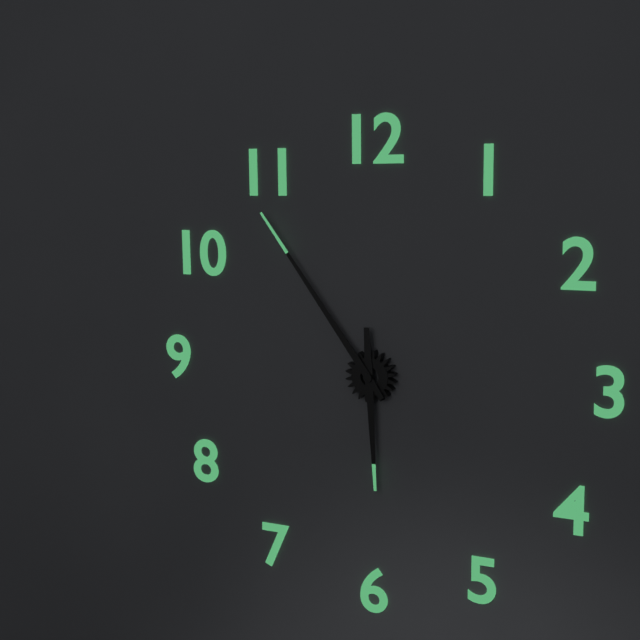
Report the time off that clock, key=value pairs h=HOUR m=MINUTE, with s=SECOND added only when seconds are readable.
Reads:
h=5 m=54
